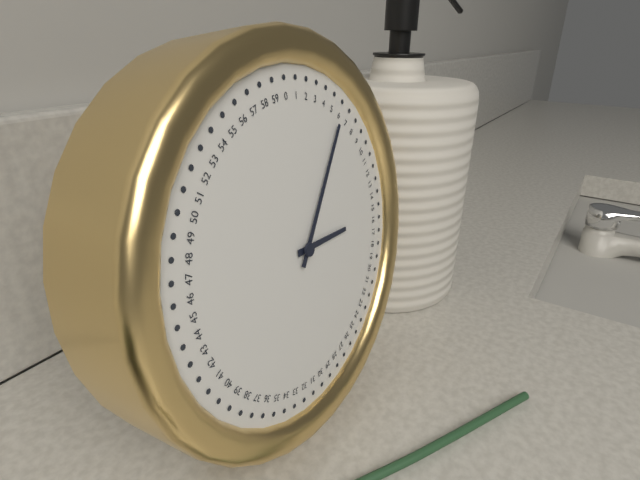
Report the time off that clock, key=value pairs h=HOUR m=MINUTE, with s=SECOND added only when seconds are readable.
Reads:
h=3 m=6
